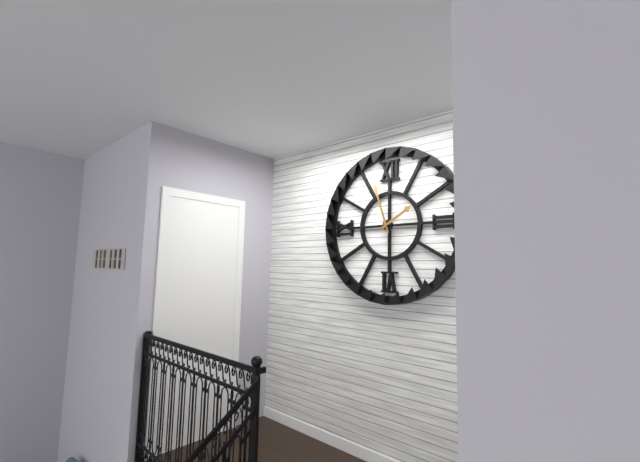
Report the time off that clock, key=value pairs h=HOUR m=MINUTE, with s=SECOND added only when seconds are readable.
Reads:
h=1 m=57
